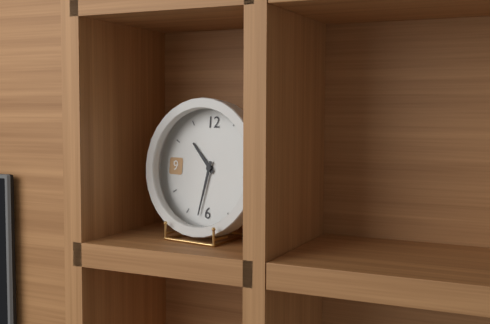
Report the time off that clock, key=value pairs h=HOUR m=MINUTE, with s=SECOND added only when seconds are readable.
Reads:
h=10 m=32
